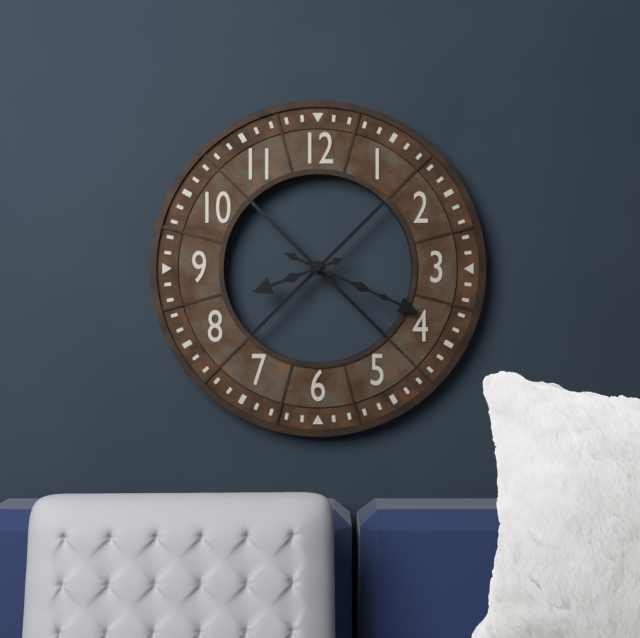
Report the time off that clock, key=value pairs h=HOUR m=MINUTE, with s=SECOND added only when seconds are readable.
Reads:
h=8 m=19
